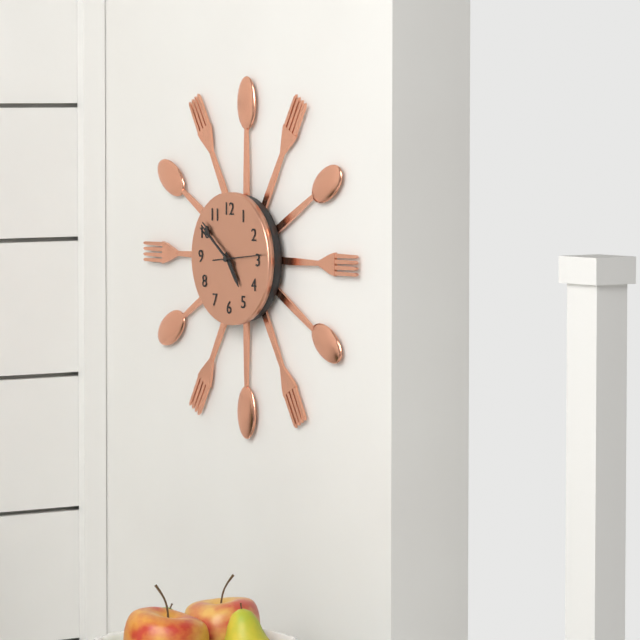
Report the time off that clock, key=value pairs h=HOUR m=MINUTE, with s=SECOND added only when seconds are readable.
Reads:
h=4 m=51
